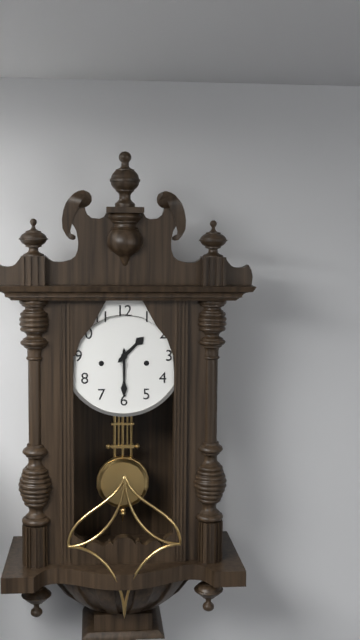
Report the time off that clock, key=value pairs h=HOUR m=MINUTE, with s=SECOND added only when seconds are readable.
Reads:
h=1 m=30
